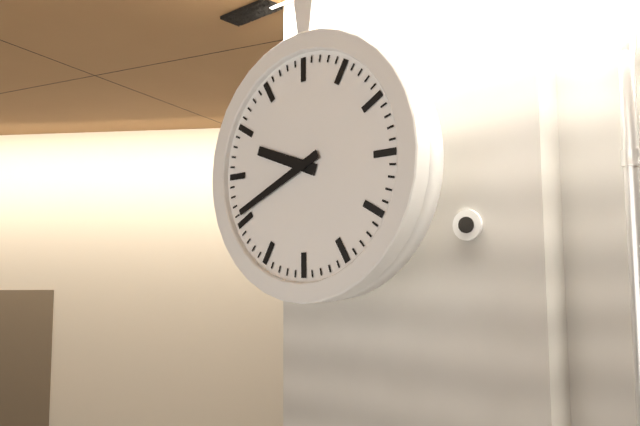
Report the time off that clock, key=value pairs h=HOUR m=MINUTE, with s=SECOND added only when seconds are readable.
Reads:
h=9 m=41
